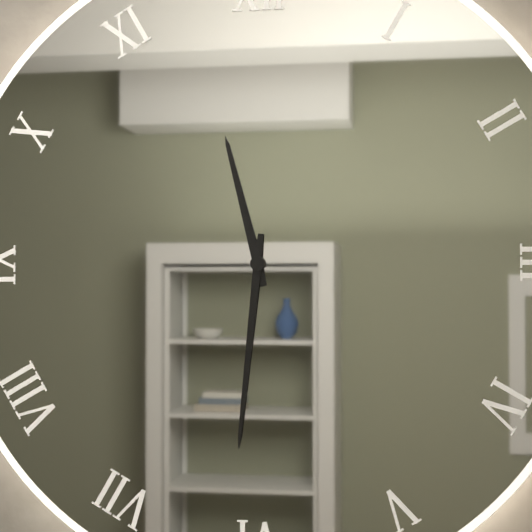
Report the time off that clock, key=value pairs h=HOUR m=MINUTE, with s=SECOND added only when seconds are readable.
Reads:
h=11 m=31
